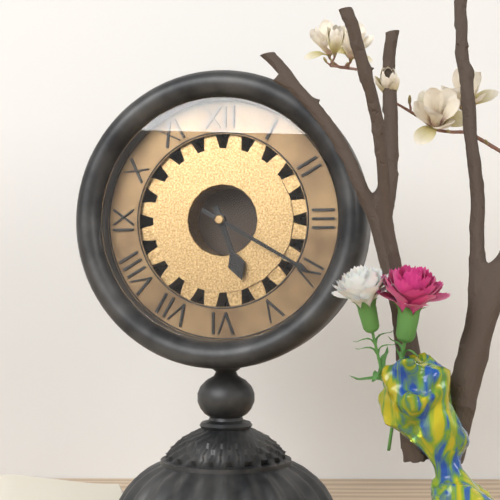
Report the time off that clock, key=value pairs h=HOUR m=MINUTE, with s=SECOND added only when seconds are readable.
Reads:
h=5 m=20
